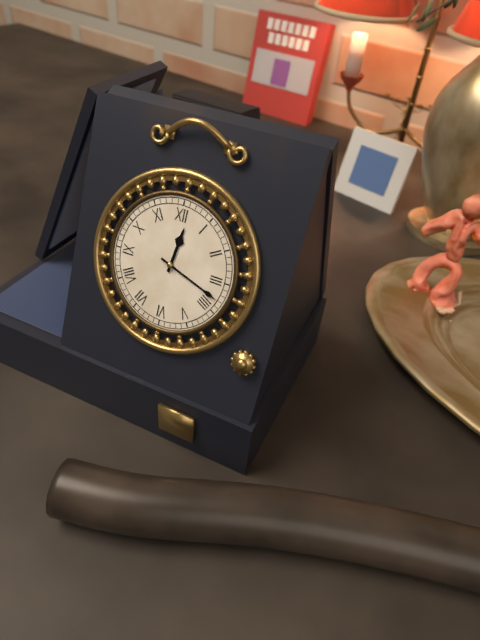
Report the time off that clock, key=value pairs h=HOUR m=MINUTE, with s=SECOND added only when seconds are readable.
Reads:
h=12 m=18
